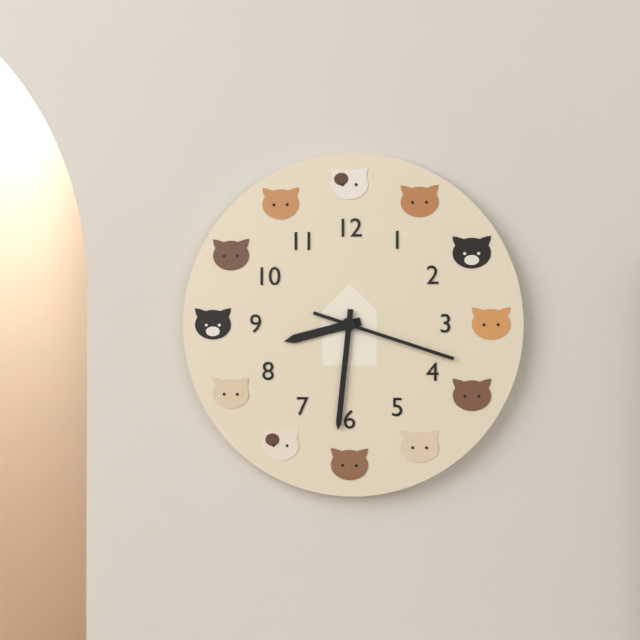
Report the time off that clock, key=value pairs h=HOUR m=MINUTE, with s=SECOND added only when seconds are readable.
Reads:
h=8 m=31 s=18
